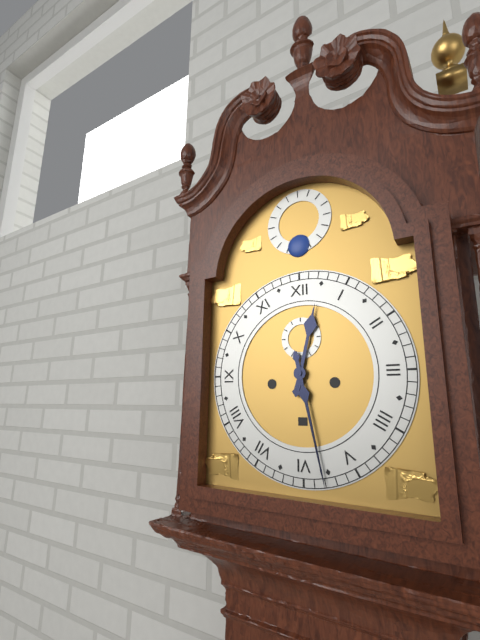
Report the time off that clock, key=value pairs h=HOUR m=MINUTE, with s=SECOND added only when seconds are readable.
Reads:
h=12 m=28
